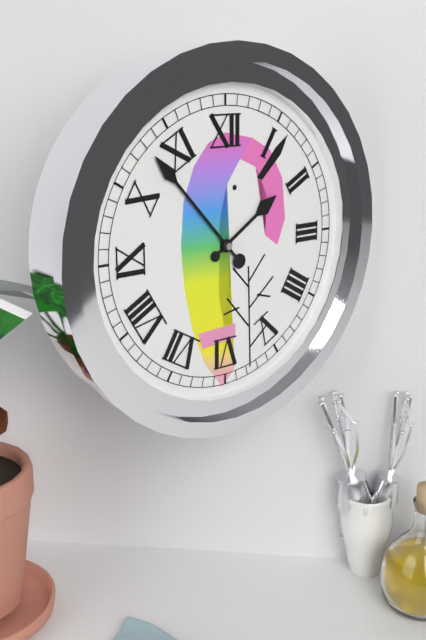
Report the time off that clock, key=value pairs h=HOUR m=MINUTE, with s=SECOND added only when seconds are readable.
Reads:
h=1 m=53
